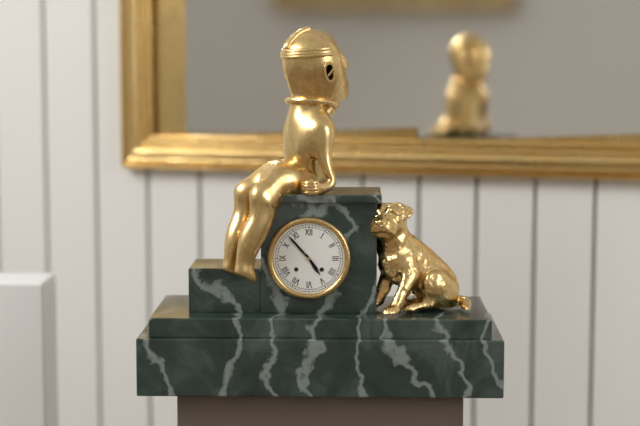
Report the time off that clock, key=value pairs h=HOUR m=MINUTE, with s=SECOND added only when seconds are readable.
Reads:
h=4 m=53
